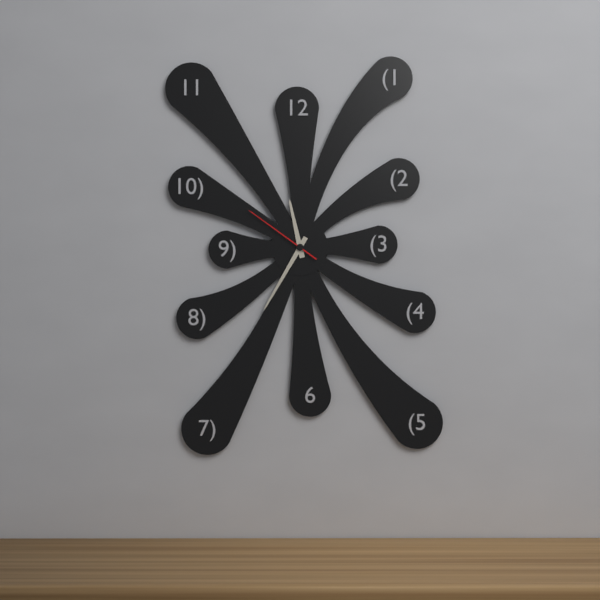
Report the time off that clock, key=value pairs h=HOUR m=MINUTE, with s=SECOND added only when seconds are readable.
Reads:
h=11 m=35 s=51
